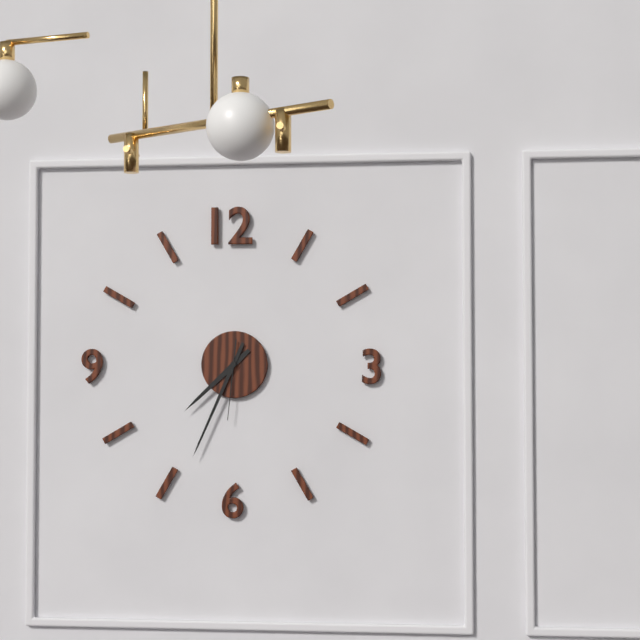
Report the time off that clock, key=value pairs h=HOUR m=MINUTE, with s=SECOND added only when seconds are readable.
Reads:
h=7 m=34 s=31
